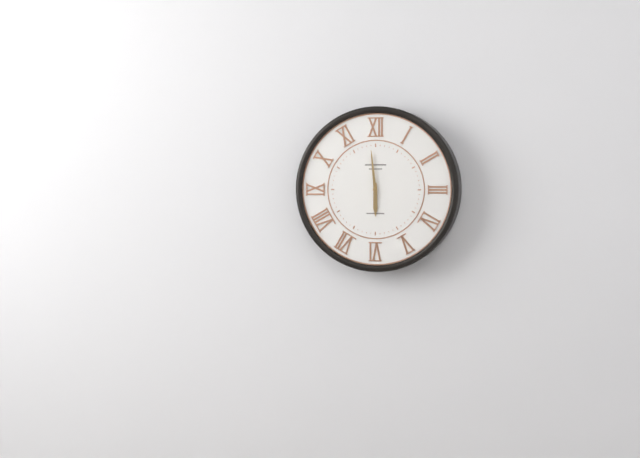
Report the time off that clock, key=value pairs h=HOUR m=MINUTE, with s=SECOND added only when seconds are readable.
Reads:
h=5 m=59
